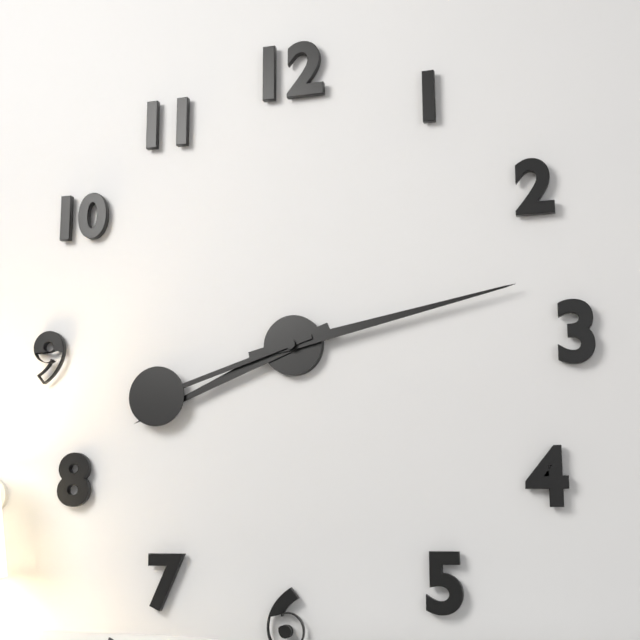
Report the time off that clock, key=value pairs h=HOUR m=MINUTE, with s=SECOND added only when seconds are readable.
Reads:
h=8 m=13 s=42
